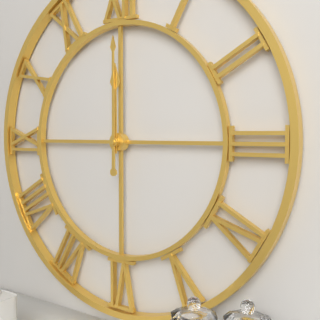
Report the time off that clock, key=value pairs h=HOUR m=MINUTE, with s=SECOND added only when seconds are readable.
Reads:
h=12 m=0
